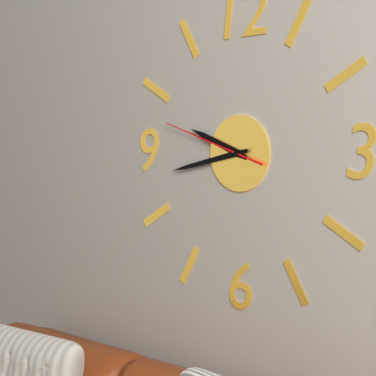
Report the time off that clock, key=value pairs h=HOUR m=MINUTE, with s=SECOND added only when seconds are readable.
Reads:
h=9 m=43 s=48
